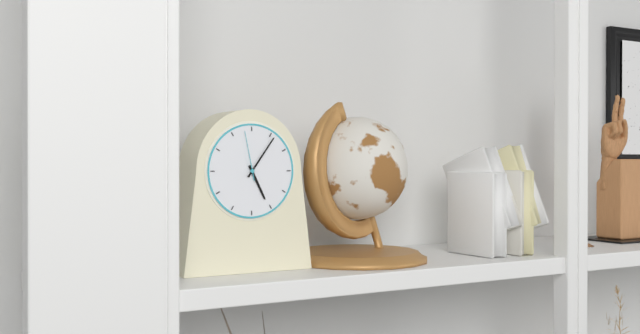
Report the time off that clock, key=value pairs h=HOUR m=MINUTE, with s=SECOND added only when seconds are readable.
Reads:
h=5 m=6 s=58
